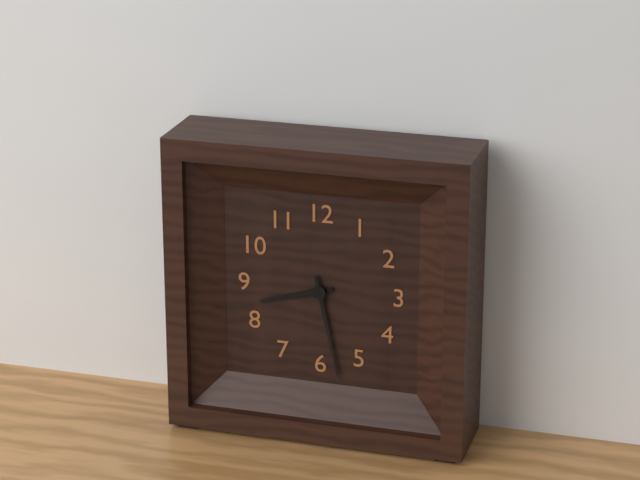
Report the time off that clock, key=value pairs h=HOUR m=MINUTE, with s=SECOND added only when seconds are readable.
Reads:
h=8 m=28
